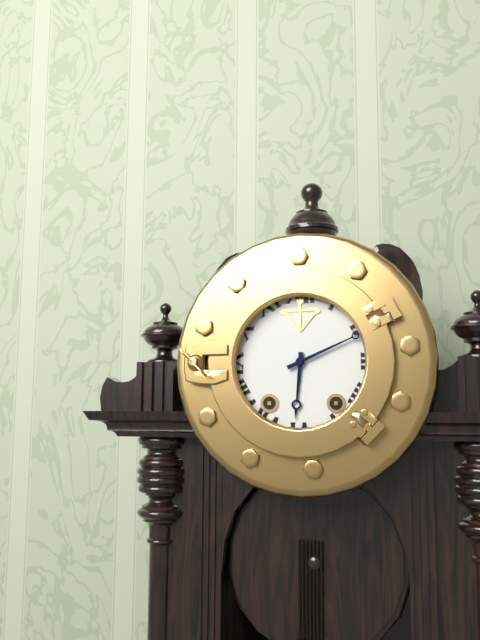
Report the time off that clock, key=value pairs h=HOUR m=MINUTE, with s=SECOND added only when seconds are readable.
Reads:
h=6 m=11
